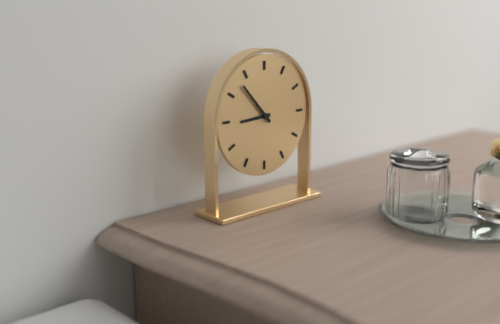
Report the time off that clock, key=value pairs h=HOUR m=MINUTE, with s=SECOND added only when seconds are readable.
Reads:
h=8 m=53
